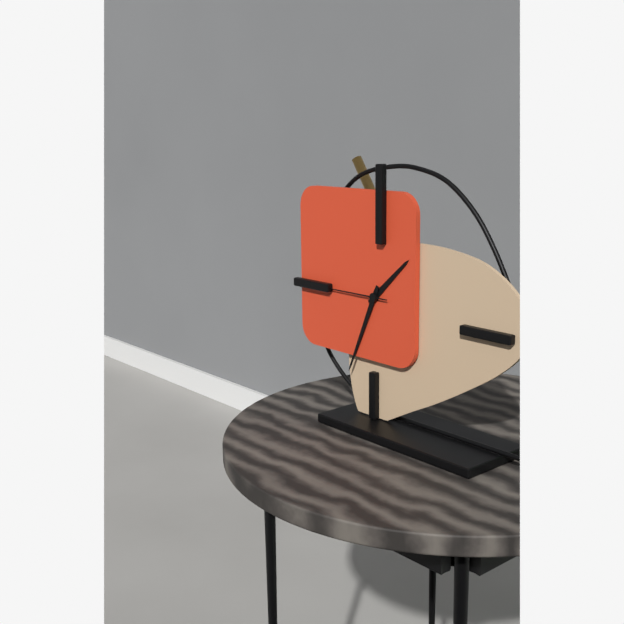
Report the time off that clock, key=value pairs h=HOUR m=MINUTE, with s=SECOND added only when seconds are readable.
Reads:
h=1 m=34 s=45
